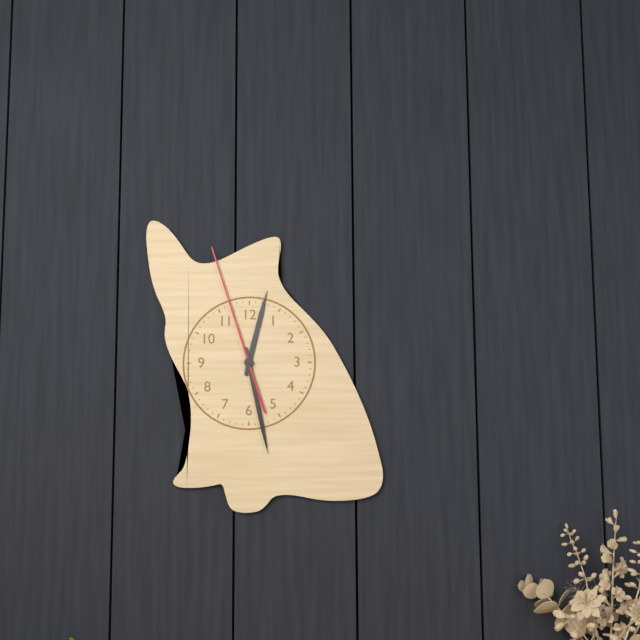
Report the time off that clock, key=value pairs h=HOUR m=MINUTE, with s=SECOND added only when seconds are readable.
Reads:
h=12 m=28 s=57
